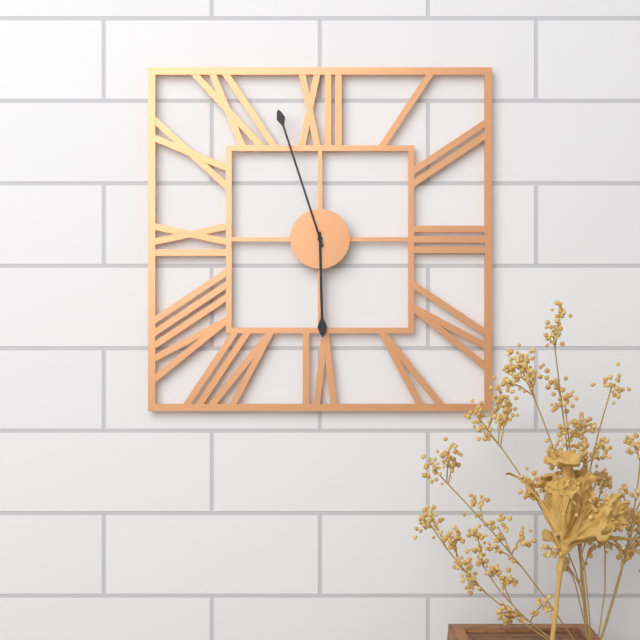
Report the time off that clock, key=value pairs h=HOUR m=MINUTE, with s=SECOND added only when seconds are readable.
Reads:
h=5 m=57
